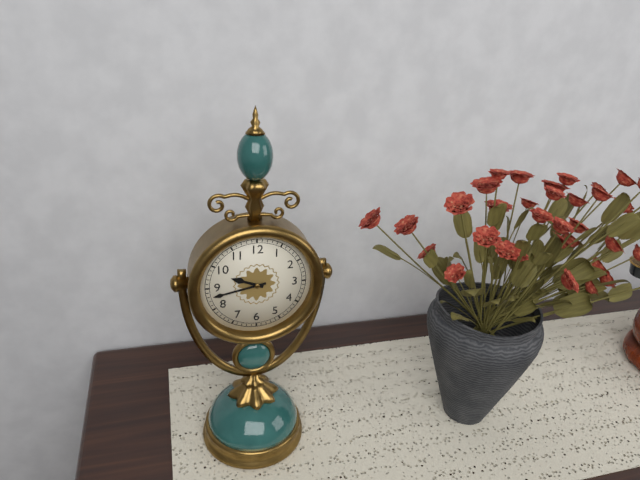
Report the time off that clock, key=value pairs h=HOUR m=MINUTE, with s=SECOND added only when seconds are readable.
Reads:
h=9 m=43
